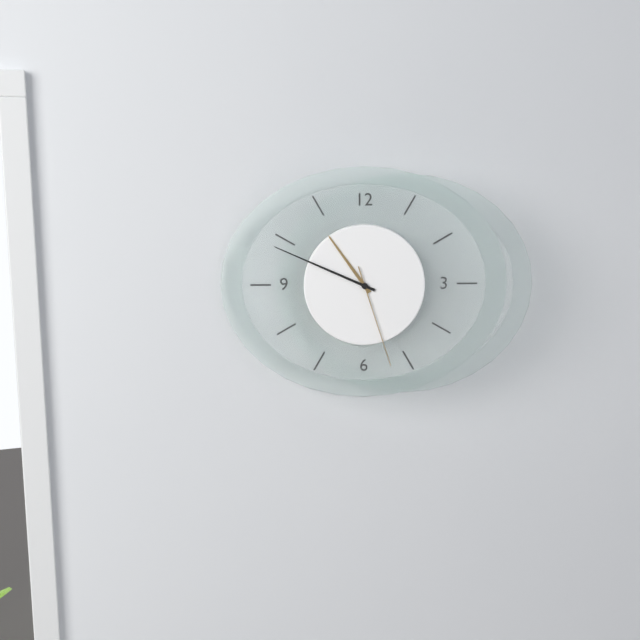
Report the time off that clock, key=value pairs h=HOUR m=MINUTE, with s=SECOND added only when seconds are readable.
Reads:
h=10 m=49 s=27
